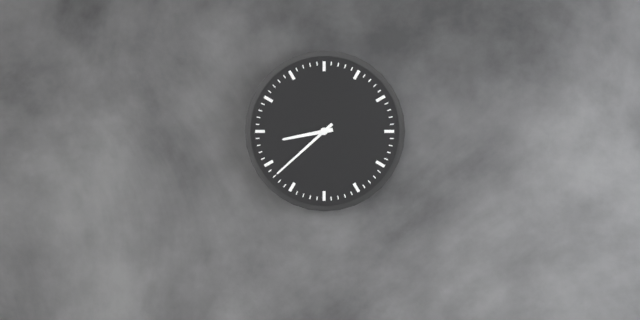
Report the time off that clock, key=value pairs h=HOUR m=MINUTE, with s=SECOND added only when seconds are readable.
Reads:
h=8 m=38
